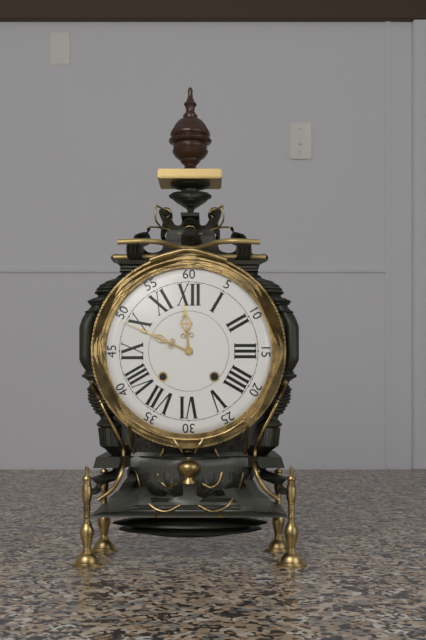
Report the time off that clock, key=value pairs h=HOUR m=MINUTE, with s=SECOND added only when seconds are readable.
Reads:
h=11 m=49
